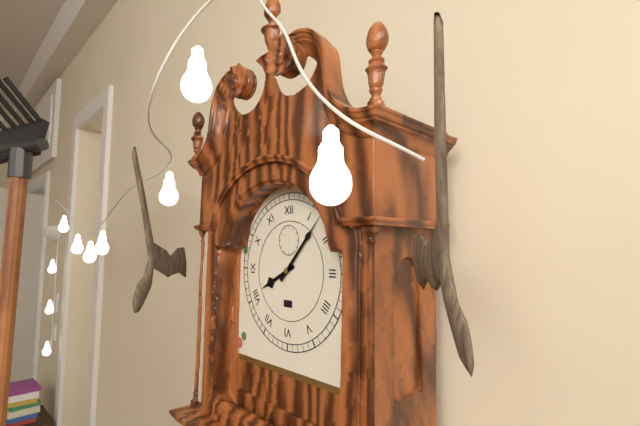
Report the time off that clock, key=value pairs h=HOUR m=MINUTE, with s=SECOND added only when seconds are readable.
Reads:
h=8 m=7
